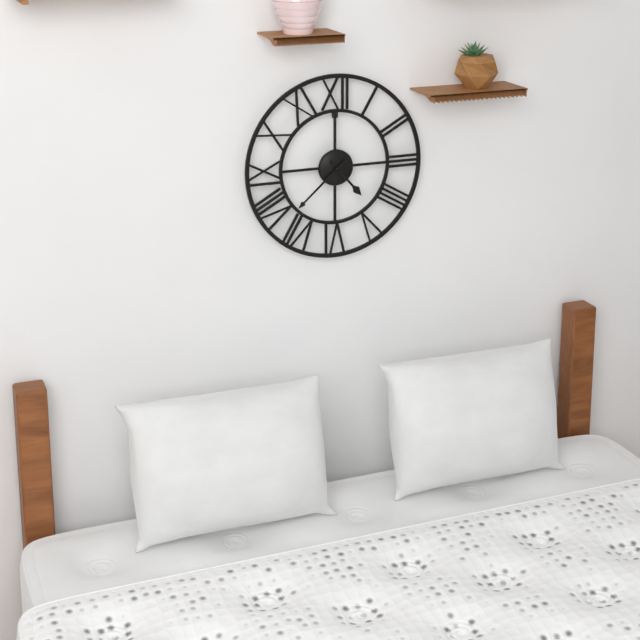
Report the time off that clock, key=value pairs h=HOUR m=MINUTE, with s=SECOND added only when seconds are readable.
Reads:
h=4 m=38
